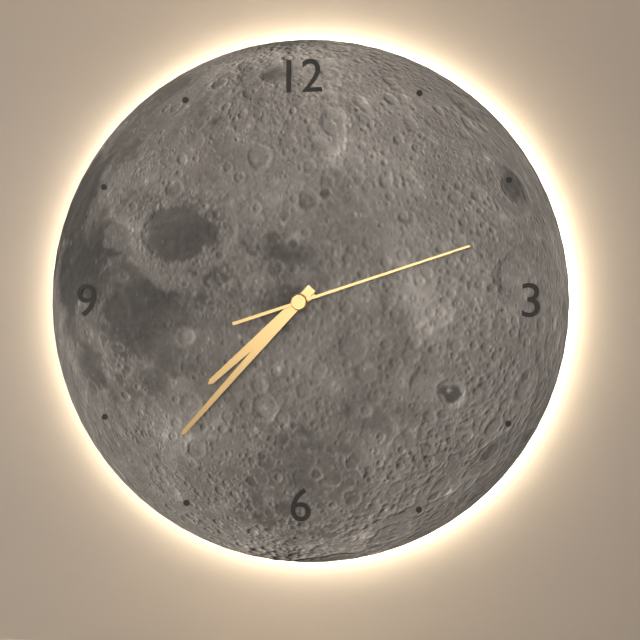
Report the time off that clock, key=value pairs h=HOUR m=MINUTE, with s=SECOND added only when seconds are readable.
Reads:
h=7 m=37 s=12
